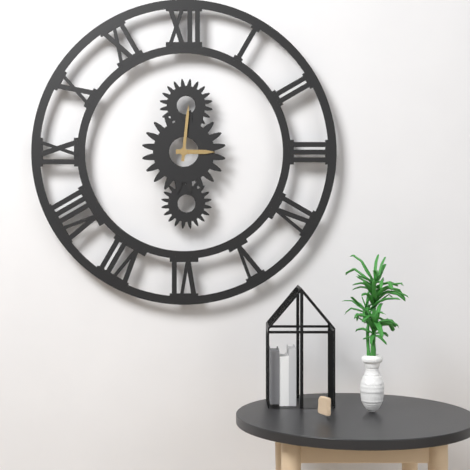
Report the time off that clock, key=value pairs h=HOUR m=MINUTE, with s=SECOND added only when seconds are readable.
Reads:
h=3 m=1
